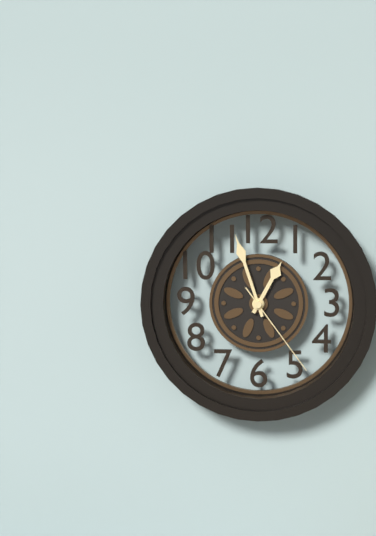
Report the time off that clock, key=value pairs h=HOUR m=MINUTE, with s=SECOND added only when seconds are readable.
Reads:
h=12 m=57 s=24
